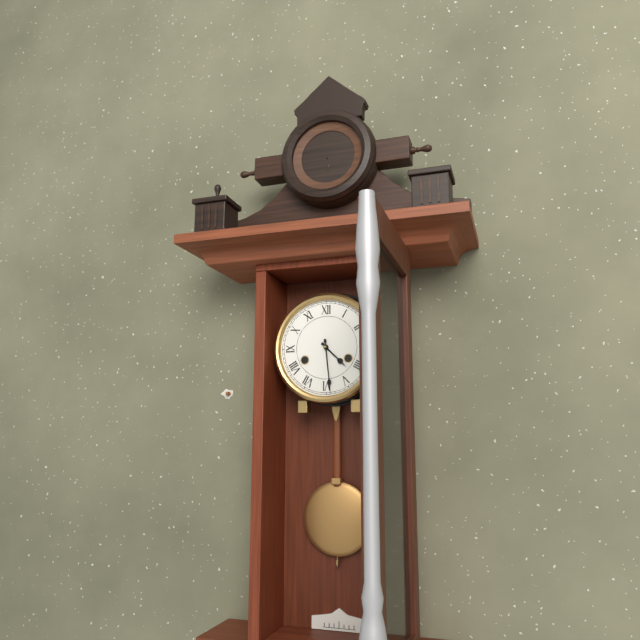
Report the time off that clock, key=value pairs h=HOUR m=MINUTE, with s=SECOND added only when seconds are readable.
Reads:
h=4 m=29
